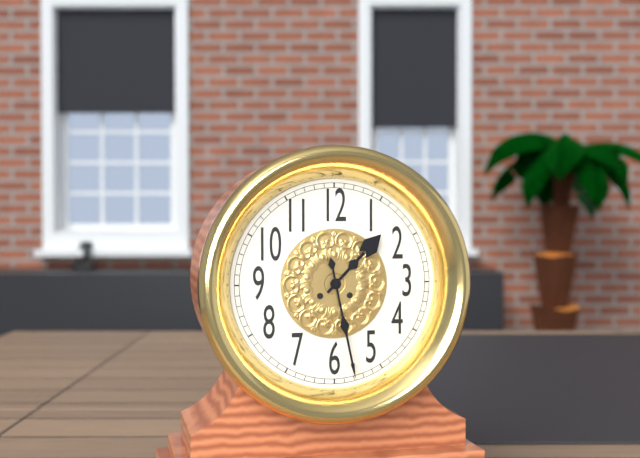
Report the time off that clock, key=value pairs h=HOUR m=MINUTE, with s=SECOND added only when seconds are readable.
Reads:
h=1 m=28
